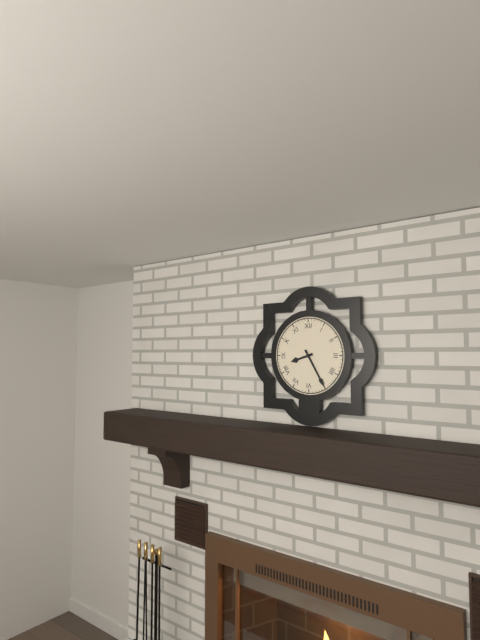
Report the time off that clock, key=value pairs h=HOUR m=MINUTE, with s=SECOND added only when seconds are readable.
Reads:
h=8 m=25
